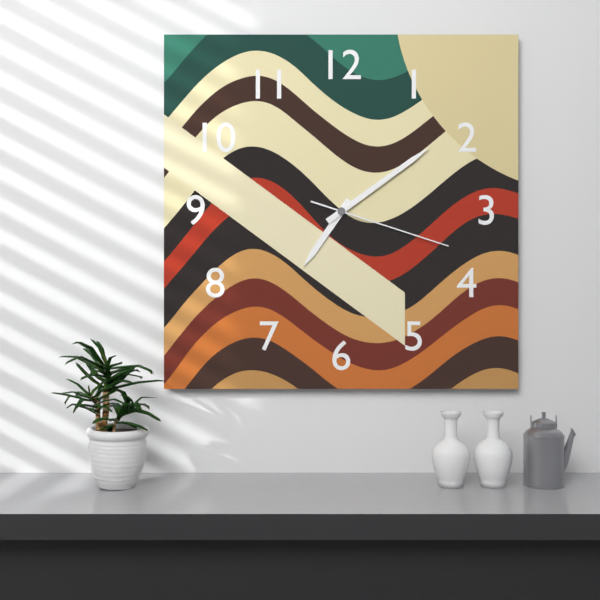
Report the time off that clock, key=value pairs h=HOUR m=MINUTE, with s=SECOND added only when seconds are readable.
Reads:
h=7 m=9 s=18
